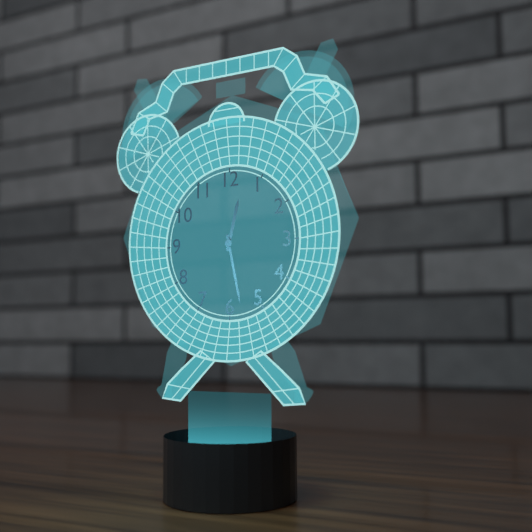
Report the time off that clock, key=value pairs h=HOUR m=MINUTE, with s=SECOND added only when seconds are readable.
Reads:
h=12 m=28
